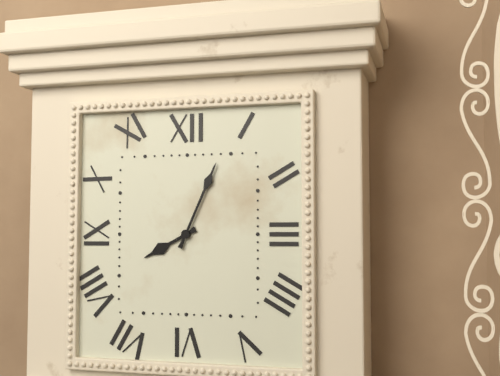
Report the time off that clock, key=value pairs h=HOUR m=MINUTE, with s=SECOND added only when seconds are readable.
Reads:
h=8 m=4
